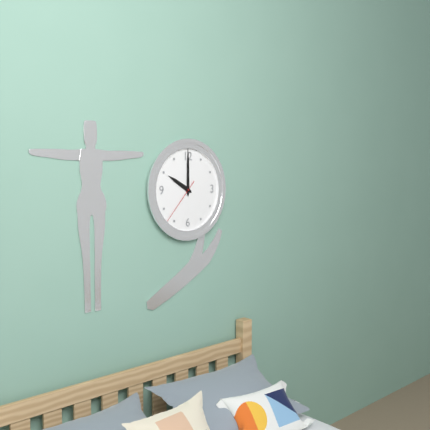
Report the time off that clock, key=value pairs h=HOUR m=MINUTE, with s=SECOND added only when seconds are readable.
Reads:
h=10 m=0 s=37
